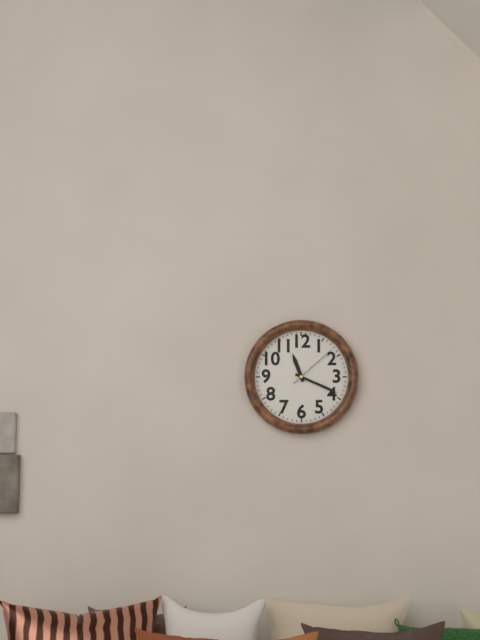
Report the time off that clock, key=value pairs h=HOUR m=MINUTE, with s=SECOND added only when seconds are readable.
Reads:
h=11 m=19 s=8
